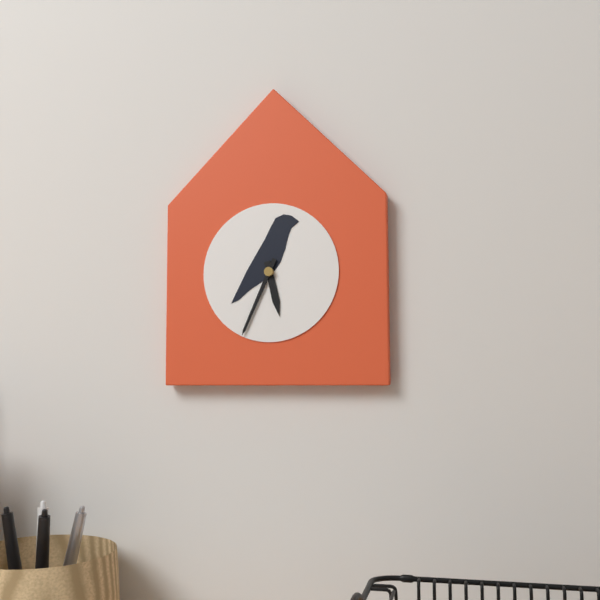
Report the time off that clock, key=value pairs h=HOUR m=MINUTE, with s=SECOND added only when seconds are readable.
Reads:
h=5 m=34
